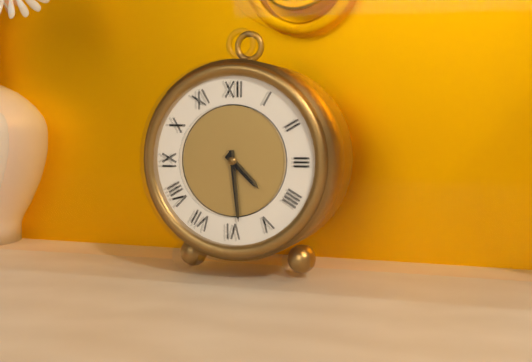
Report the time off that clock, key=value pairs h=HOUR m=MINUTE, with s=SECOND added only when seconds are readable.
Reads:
h=4 m=29
